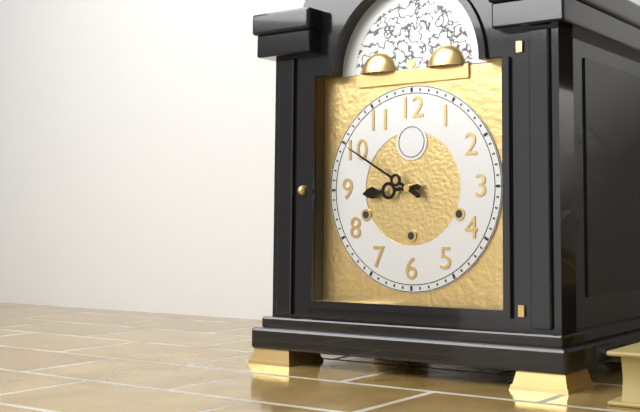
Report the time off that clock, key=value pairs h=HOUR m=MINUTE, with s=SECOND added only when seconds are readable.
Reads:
h=8 m=50
